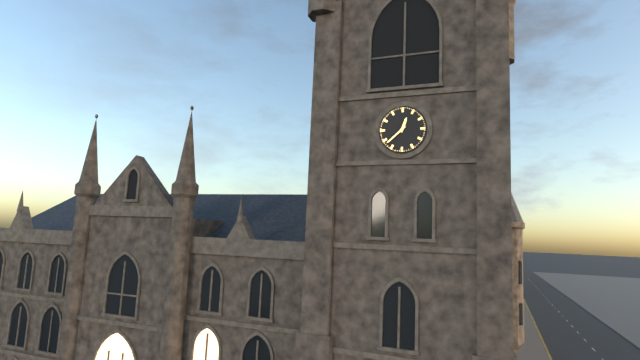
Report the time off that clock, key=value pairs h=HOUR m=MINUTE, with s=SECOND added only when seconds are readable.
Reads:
h=12 m=38
